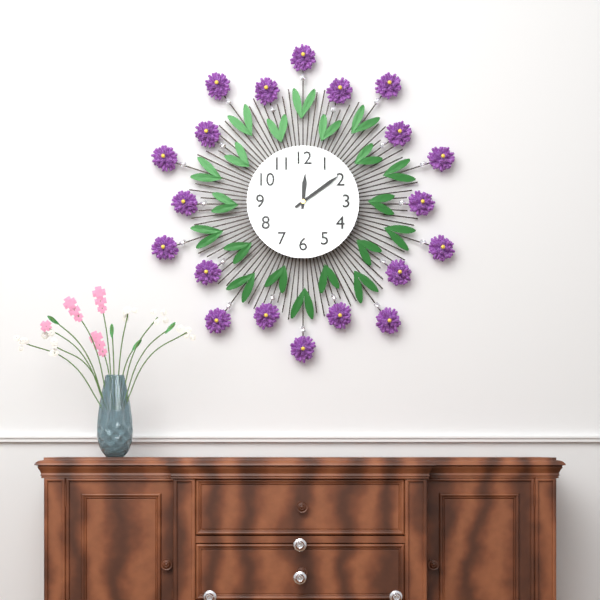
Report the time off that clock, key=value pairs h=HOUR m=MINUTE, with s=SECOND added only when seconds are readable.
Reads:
h=12 m=9
